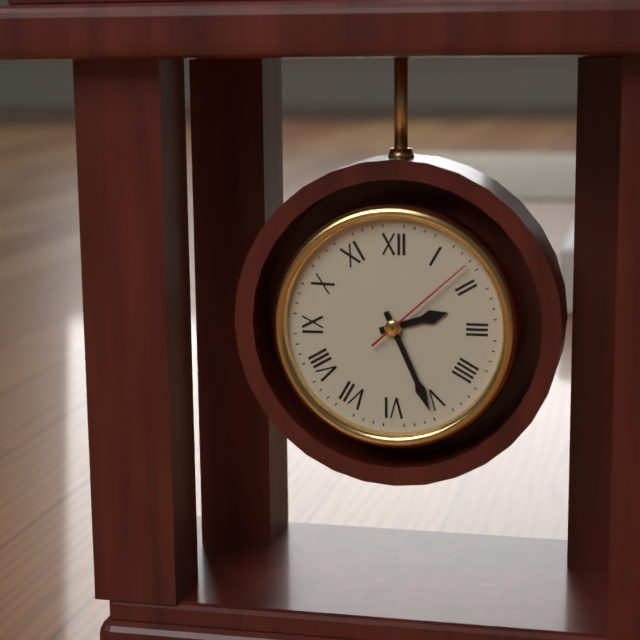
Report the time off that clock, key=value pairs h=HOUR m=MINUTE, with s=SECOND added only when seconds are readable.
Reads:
h=2 m=26 s=8
